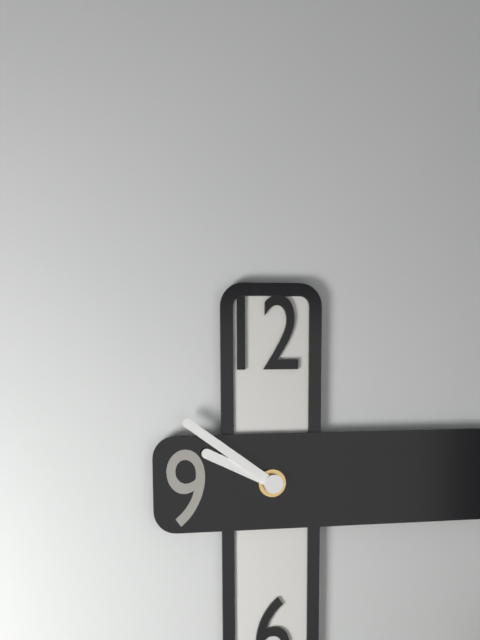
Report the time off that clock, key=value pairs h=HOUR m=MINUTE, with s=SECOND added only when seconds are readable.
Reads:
h=9 m=51
